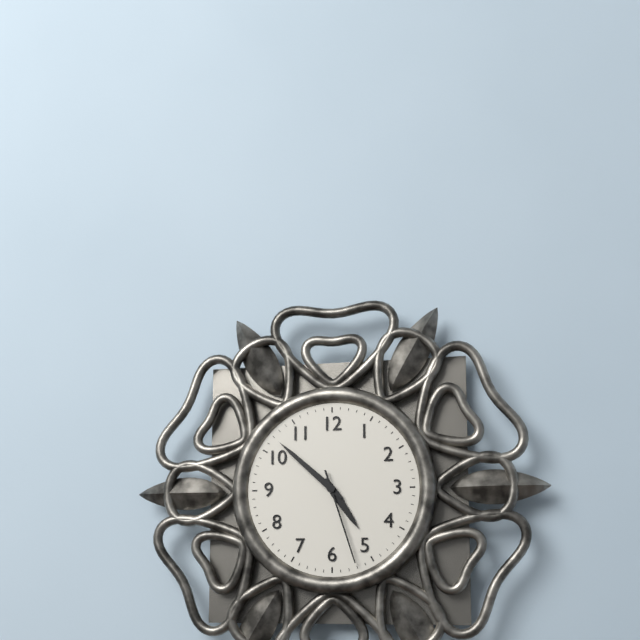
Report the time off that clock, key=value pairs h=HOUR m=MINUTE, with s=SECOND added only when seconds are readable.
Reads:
h=4 m=52 s=27
